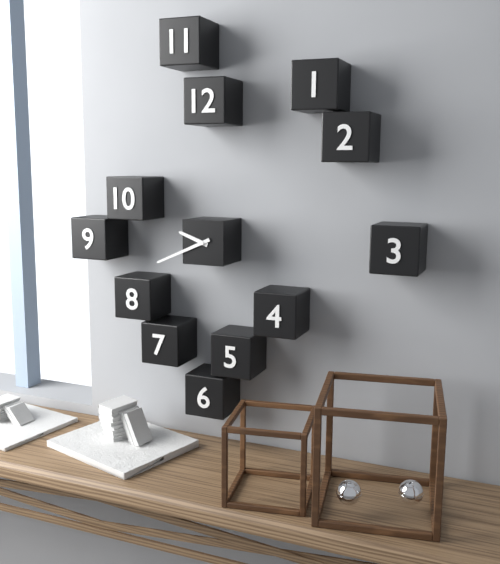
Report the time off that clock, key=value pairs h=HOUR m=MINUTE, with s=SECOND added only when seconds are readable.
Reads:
h=9 m=41
